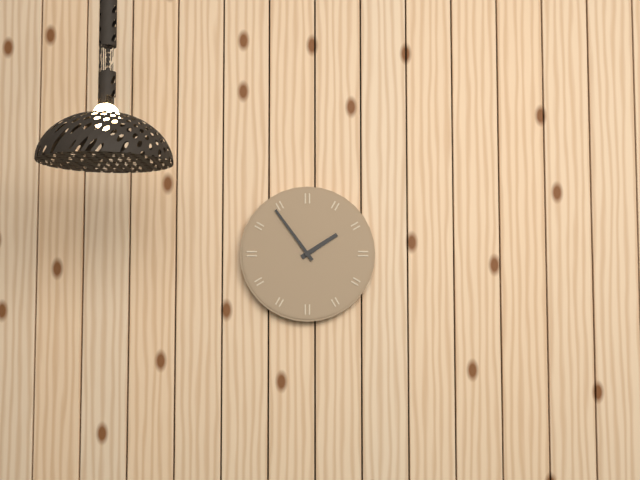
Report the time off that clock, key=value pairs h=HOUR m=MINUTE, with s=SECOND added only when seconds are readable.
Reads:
h=1 m=54
